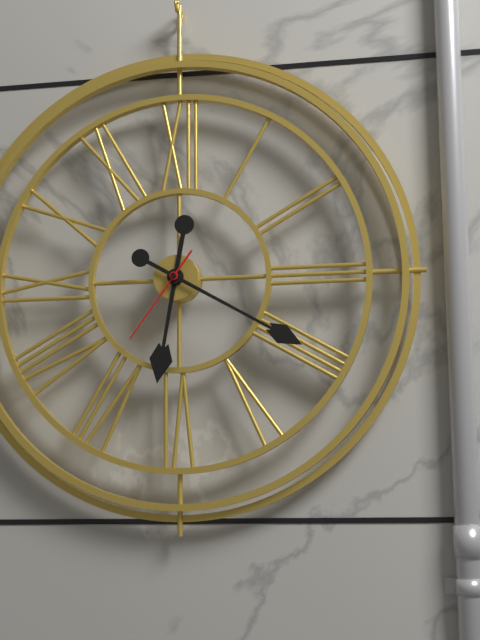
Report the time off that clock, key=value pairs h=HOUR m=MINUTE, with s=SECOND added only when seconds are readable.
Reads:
h=6 m=20 s=36
